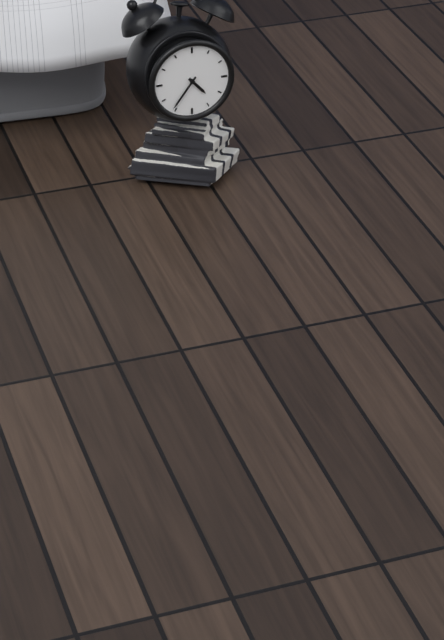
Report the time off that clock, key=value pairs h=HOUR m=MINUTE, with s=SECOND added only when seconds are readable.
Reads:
h=4 m=36
